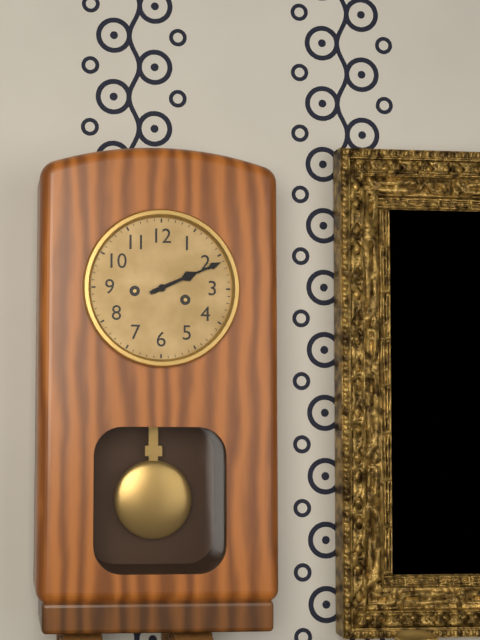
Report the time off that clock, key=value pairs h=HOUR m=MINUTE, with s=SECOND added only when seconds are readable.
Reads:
h=2 m=11
